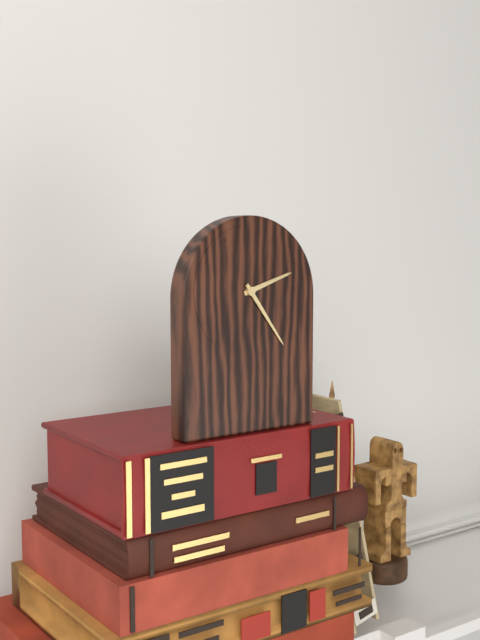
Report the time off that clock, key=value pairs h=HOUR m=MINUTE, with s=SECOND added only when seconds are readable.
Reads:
h=2 m=24
